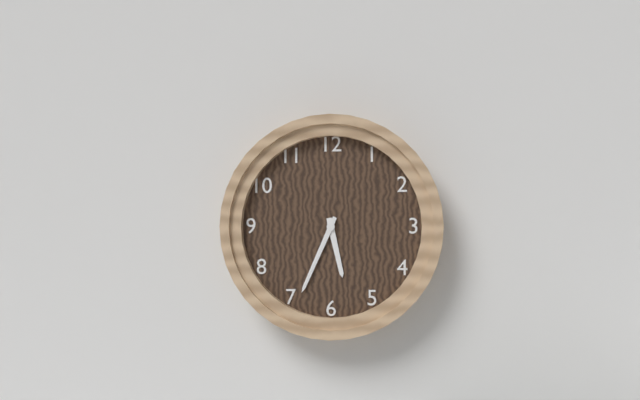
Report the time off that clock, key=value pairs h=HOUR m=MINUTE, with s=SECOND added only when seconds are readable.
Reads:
h=5 m=34
